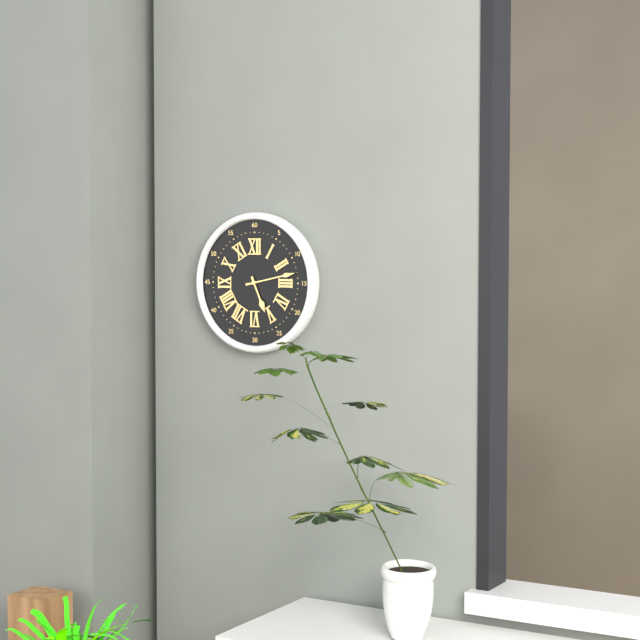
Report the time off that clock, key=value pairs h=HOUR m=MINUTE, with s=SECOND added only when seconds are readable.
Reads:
h=5 m=13
